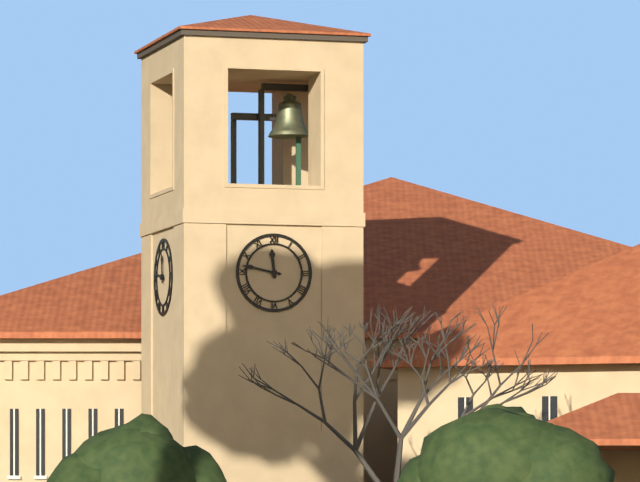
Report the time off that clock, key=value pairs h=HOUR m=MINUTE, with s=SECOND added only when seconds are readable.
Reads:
h=11 m=47
